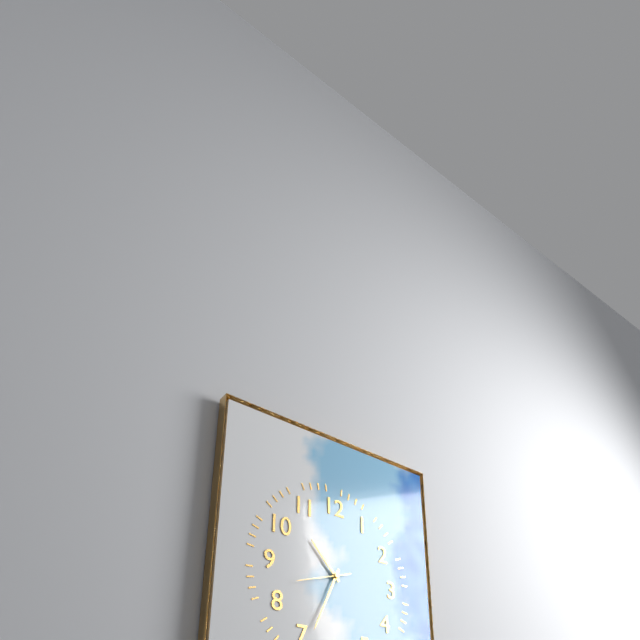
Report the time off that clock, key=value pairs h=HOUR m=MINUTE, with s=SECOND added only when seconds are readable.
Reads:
h=10 m=34
